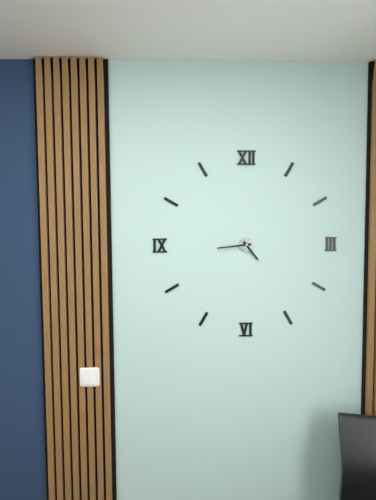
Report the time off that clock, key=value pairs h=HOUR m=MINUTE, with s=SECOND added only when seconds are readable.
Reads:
h=4 m=44
